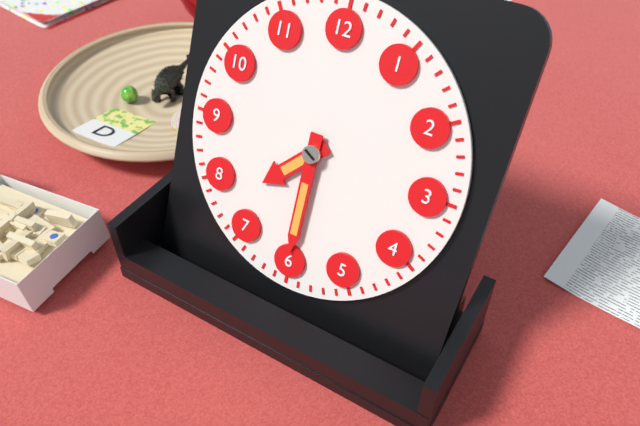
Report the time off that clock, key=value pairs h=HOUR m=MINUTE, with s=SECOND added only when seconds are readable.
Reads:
h=7 m=30
